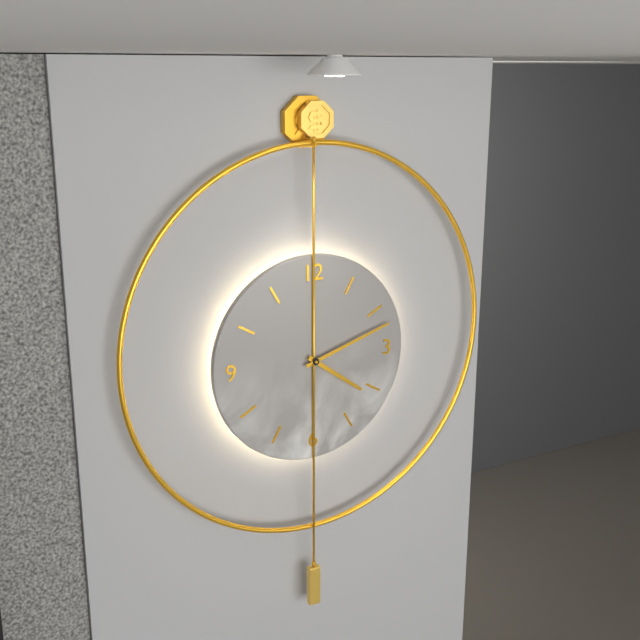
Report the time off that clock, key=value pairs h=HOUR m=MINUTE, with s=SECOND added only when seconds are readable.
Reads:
h=4 m=12
